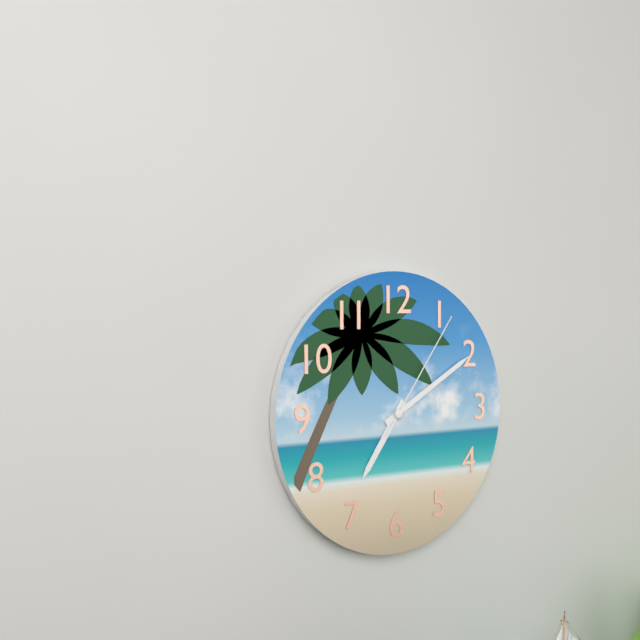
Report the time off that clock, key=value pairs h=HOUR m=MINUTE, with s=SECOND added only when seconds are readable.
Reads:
h=7 m=10 s=6
